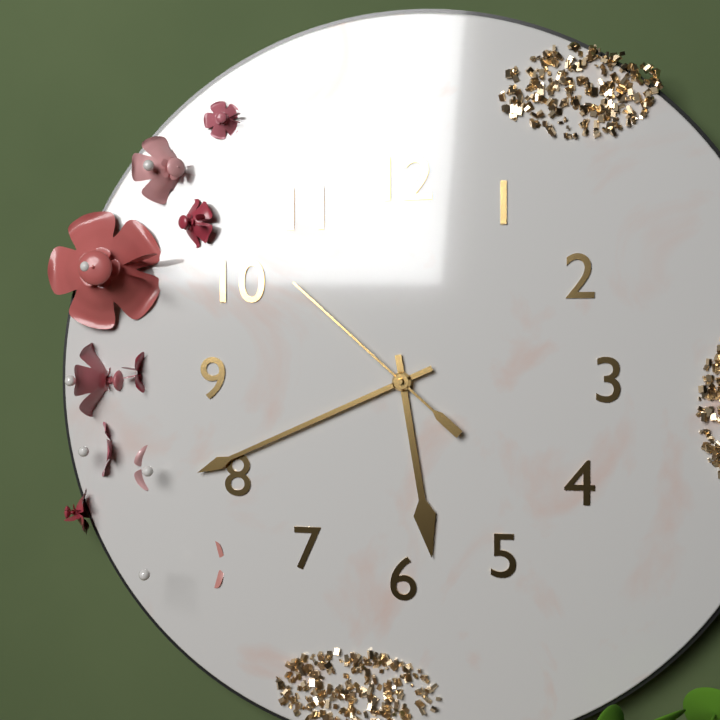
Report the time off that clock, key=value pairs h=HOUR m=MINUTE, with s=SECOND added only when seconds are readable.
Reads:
h=5 m=41 s=52
